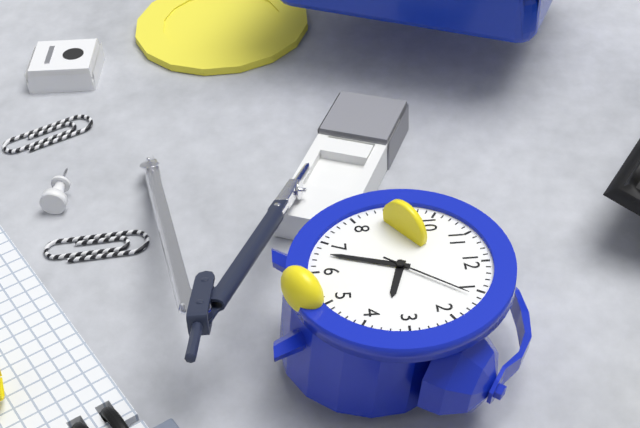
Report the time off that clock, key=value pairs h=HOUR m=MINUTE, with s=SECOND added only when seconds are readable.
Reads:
h=3 m=33 s=6
